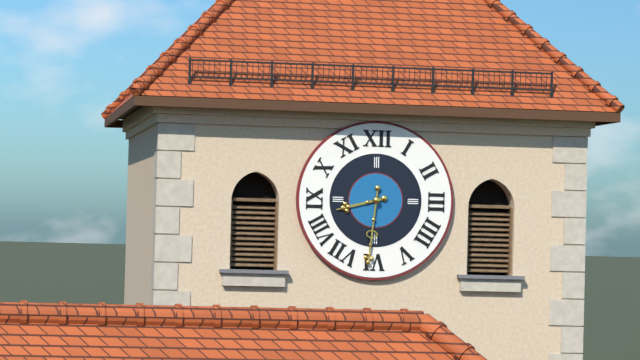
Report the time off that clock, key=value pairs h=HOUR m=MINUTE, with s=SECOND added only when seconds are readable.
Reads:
h=8 m=31
